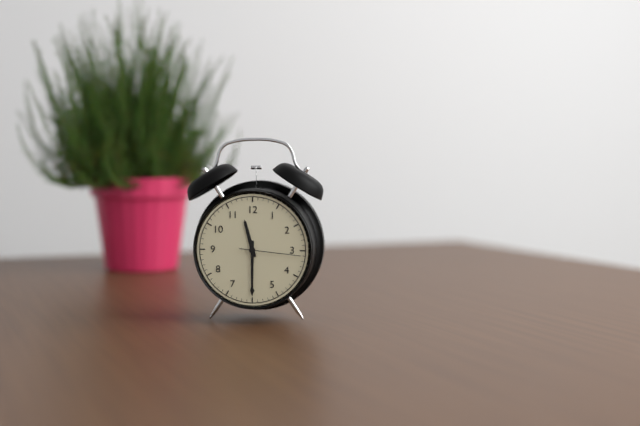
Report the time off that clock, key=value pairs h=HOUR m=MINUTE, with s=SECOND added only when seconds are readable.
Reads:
h=11 m=30 s=16
